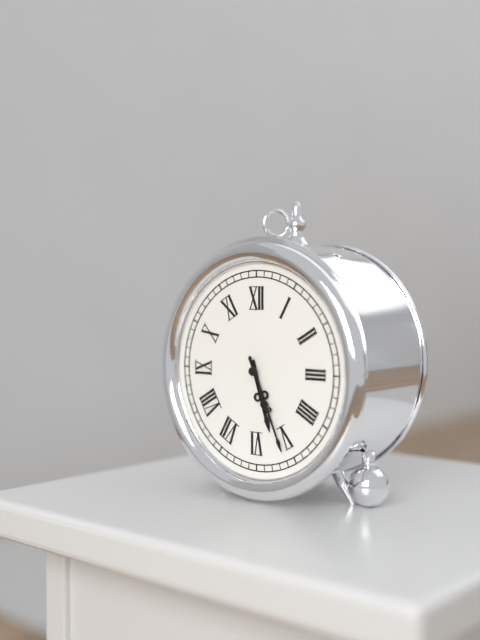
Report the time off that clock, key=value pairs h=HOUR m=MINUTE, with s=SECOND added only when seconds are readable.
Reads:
h=5 m=26 s=27
